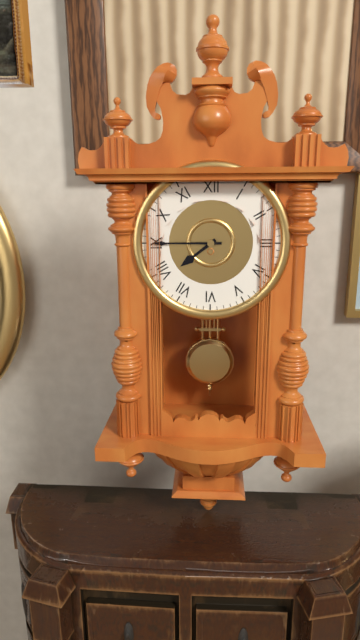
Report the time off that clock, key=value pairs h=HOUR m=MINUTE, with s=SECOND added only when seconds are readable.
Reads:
h=7 m=45
